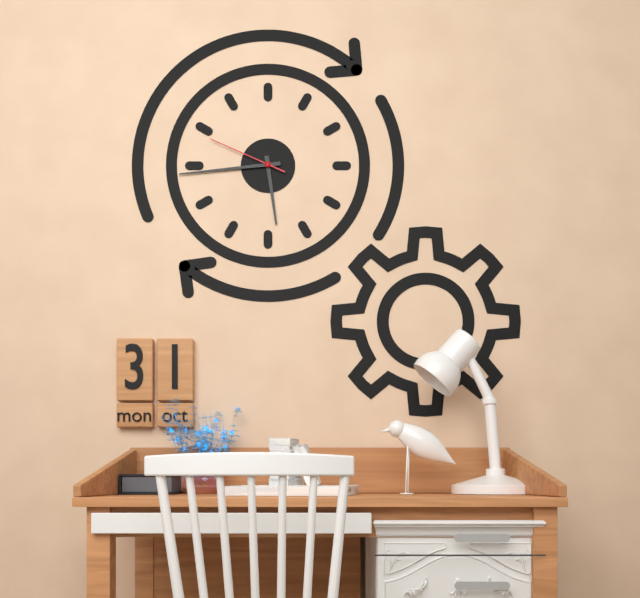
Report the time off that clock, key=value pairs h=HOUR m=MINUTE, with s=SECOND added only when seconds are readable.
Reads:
h=5 m=44 s=49
